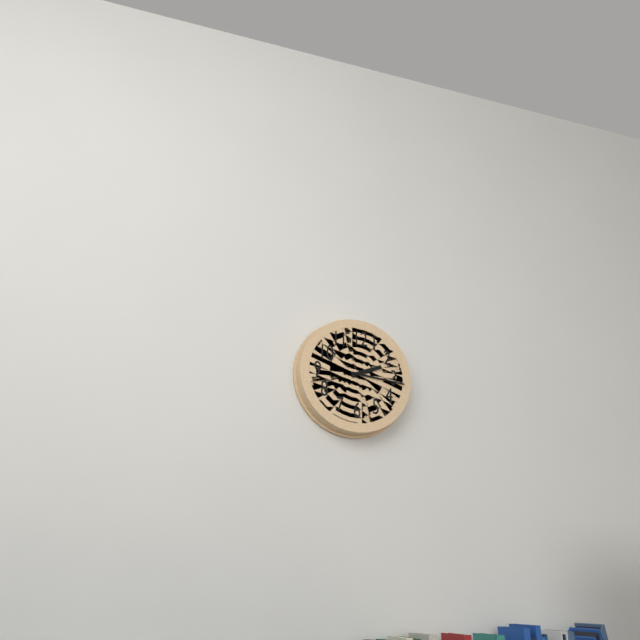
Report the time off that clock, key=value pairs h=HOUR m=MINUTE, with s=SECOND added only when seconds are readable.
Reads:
h=2 m=16
